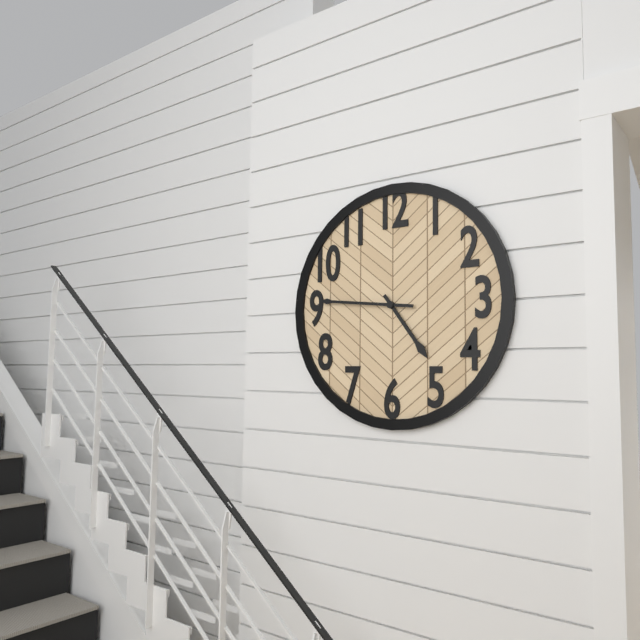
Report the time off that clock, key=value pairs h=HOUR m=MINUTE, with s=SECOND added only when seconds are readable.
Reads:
h=4 m=46
